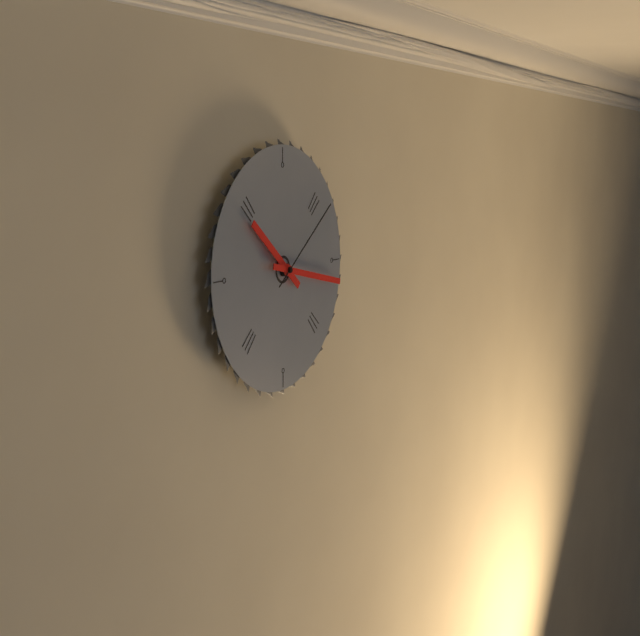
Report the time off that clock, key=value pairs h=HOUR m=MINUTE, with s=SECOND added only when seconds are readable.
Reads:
h=10 m=17 s=9
